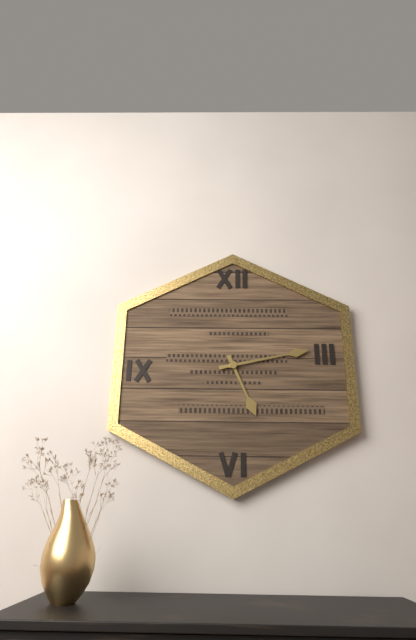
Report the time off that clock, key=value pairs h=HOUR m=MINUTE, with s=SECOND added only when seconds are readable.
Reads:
h=5 m=13
